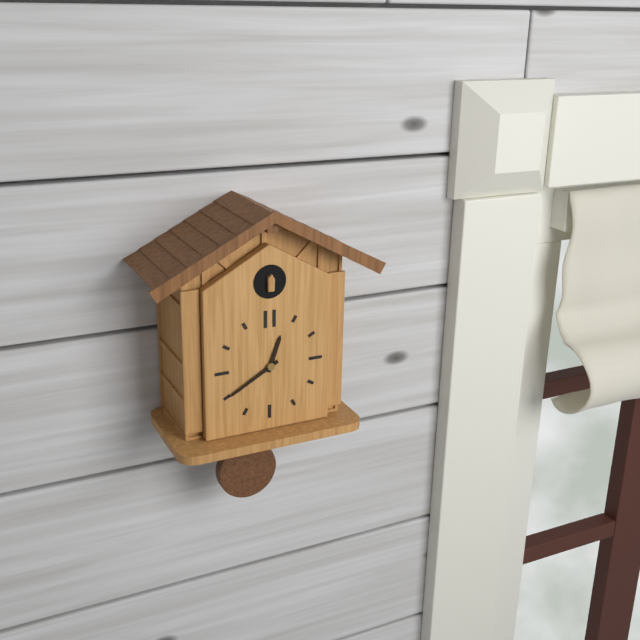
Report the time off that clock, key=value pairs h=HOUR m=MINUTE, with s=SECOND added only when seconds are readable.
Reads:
h=12 m=40
